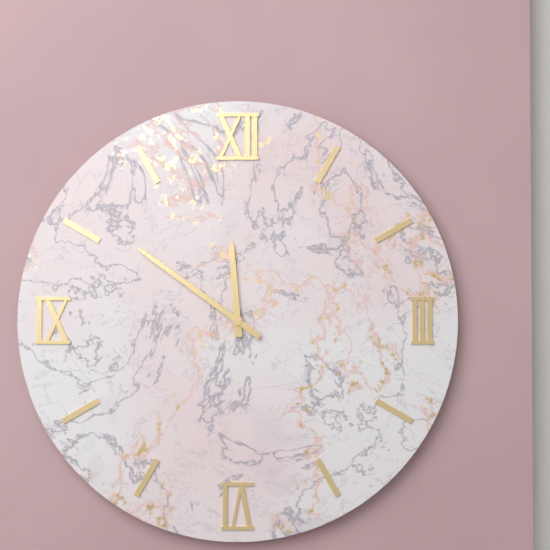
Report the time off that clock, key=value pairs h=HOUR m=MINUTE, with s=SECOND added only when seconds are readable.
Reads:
h=11 m=51
